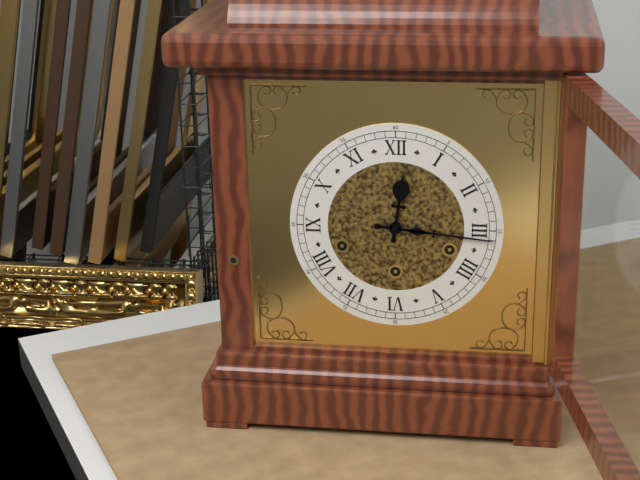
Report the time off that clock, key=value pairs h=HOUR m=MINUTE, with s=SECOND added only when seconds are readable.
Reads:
h=12 m=16
